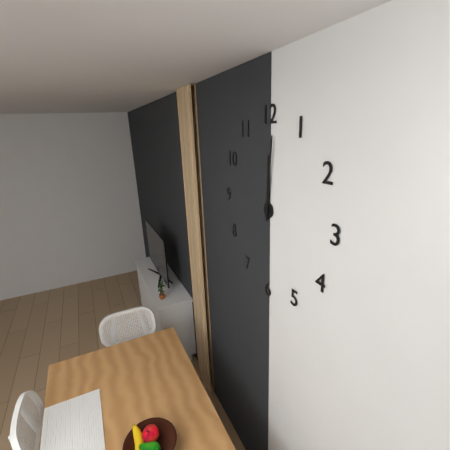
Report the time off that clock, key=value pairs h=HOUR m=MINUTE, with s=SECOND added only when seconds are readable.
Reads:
h=12 m=1
